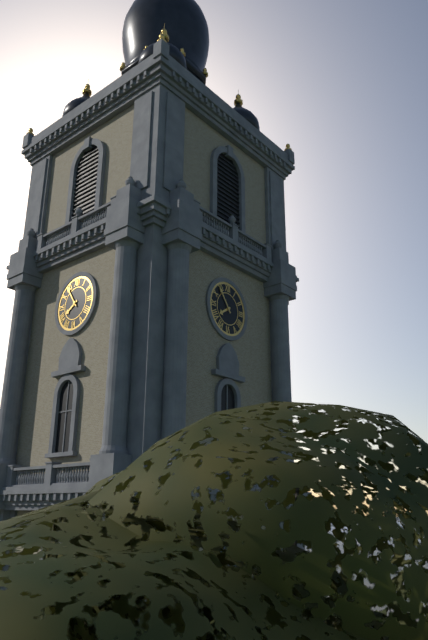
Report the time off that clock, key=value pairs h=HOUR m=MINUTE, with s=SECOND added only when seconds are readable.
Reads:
h=7 m=54
